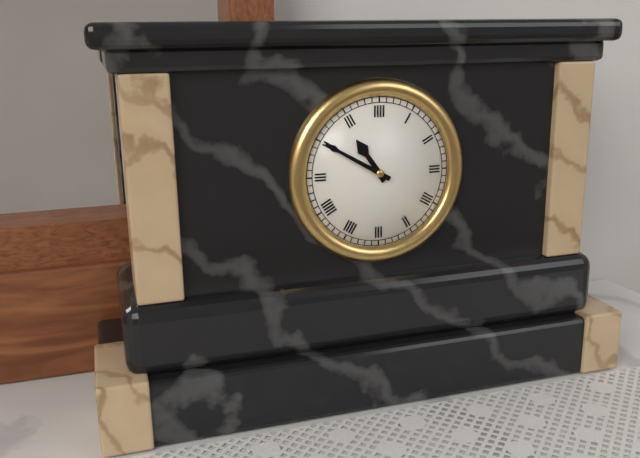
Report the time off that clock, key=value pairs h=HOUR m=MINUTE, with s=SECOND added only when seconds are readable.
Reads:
h=10 m=50
